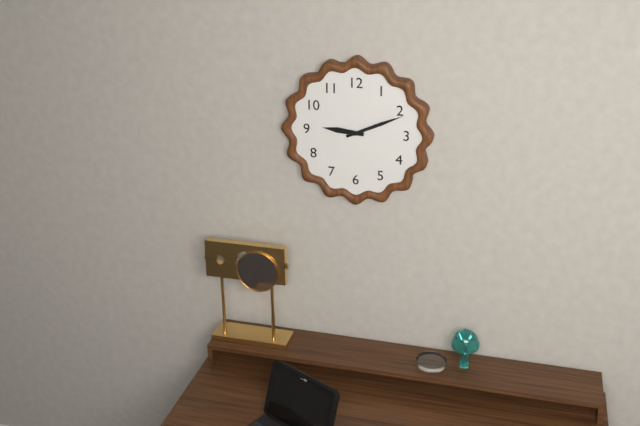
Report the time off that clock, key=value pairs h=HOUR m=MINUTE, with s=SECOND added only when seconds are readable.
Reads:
h=9 m=11
